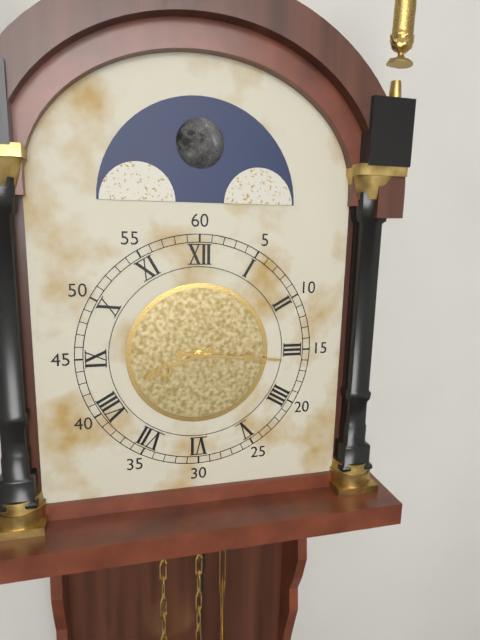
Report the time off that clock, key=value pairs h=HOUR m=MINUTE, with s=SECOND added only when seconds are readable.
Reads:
h=8 m=16
